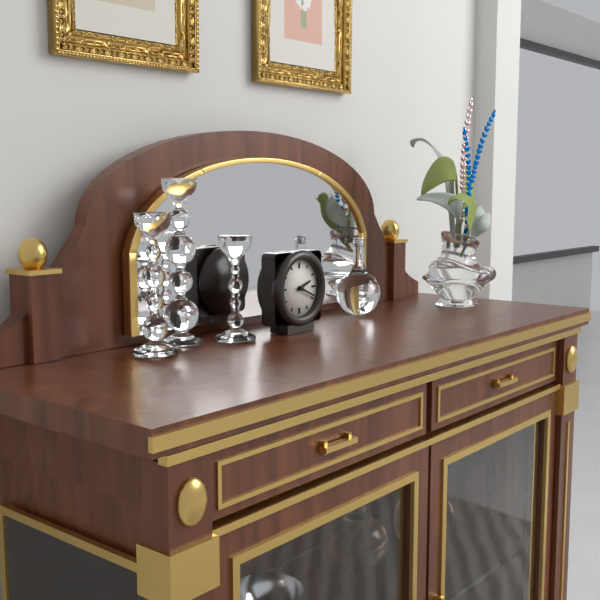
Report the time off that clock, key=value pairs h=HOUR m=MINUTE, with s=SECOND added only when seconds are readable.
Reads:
h=2 m=19
